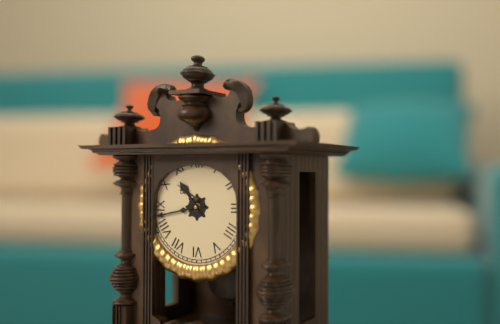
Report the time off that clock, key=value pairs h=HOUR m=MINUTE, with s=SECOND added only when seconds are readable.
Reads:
h=10 m=43
